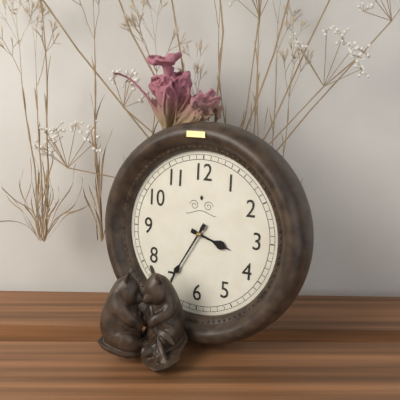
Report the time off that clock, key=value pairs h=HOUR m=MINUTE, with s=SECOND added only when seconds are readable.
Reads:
h=3 m=35
